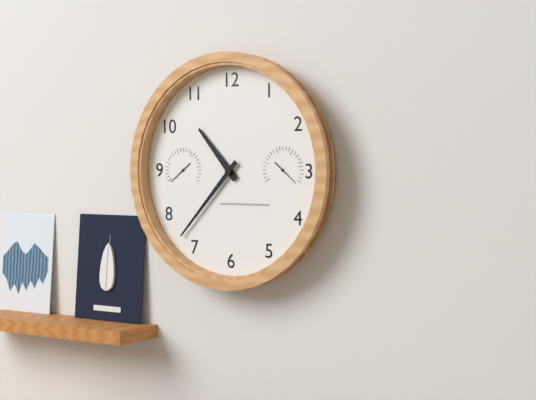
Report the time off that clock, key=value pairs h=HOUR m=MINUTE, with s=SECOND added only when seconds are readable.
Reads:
h=10 m=37
